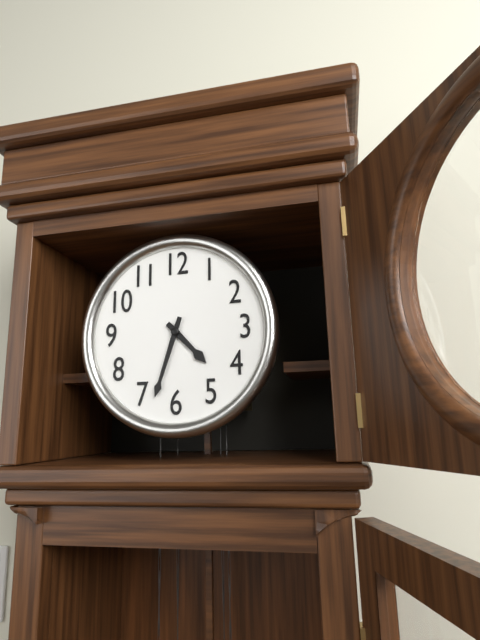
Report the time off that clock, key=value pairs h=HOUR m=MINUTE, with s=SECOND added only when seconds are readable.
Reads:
h=4 m=33
